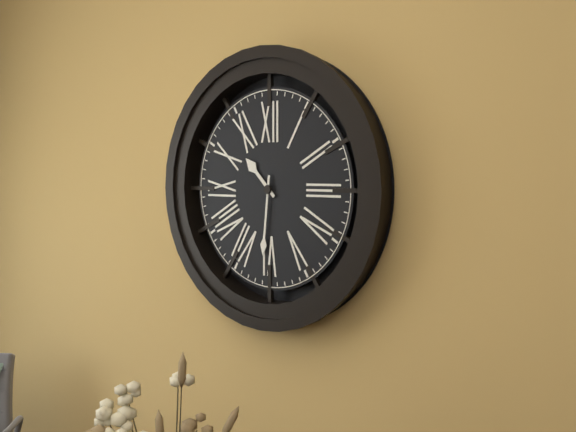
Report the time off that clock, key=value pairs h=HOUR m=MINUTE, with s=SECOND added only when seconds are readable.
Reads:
h=10 m=31
